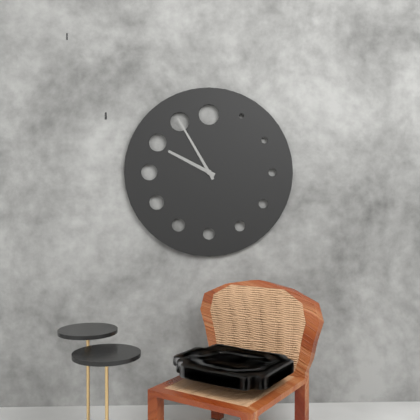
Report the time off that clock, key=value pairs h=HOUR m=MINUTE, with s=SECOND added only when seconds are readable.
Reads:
h=9 m=55
